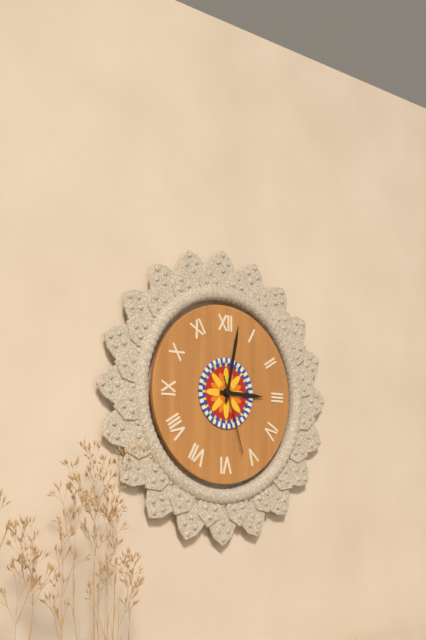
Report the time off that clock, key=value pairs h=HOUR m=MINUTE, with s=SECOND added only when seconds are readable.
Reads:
h=3 m=2 s=27
